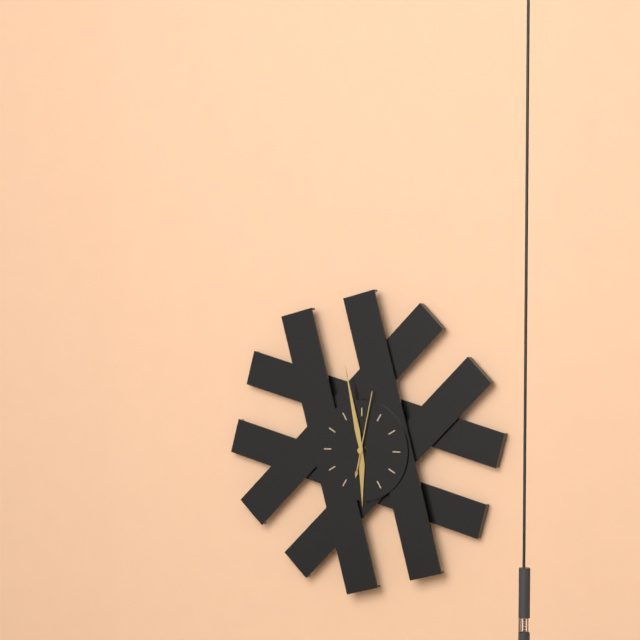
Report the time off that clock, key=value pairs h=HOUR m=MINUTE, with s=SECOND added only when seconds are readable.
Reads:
h=5 m=58 s=2
